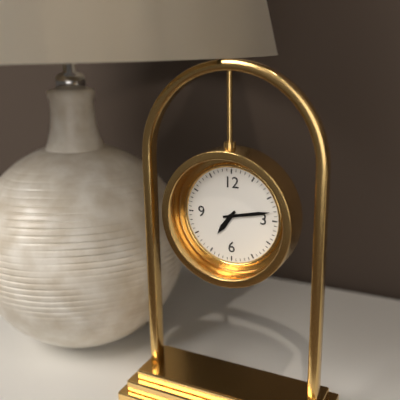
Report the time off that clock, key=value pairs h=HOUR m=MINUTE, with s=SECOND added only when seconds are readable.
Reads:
h=7 m=13
